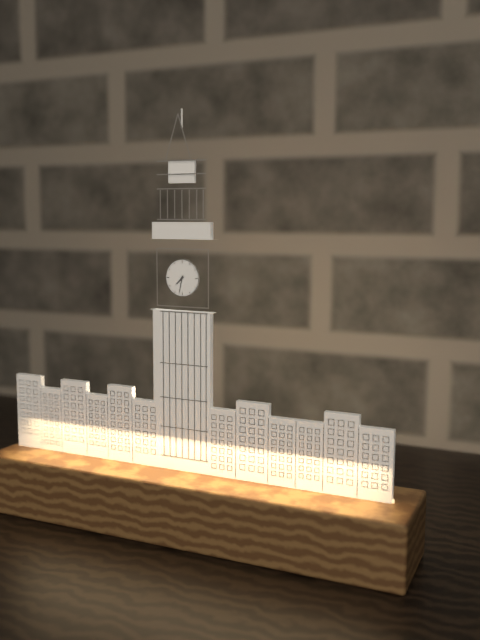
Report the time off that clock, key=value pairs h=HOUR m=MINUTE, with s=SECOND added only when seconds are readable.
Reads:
h=7 m=32
